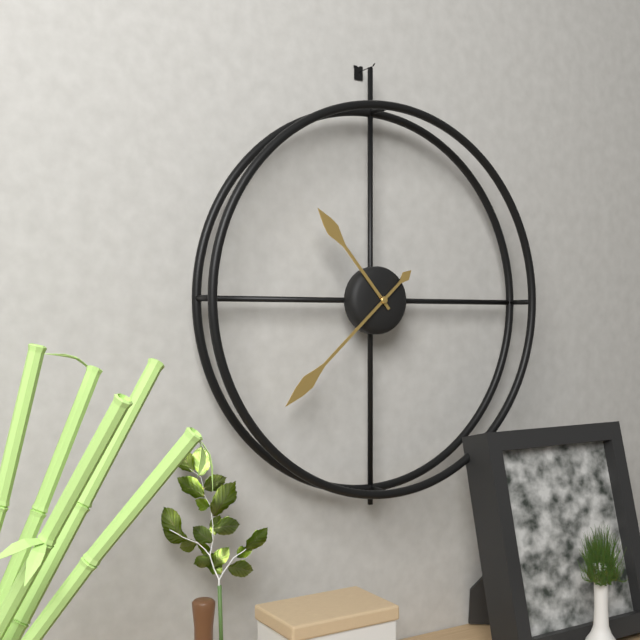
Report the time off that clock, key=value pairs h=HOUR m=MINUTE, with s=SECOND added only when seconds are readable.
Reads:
h=10 m=38
